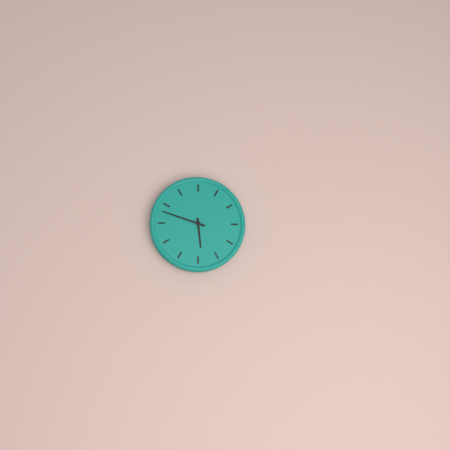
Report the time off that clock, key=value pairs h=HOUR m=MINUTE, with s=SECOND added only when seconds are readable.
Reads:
h=5 m=48
